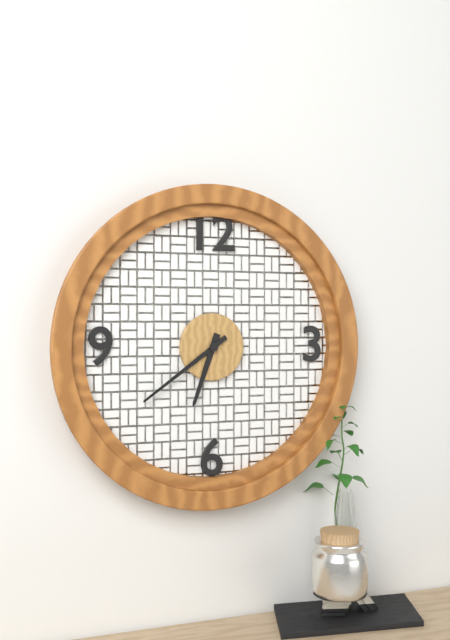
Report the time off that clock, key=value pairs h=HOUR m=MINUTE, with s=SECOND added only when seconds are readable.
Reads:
h=6 m=39
